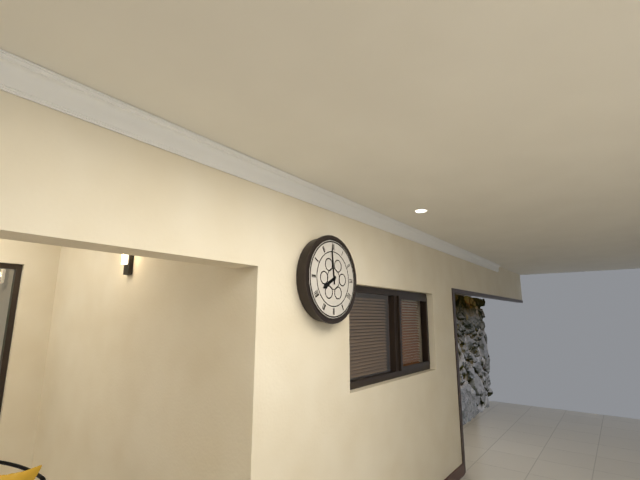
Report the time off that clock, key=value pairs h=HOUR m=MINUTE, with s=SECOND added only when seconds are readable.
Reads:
h=7 m=59
